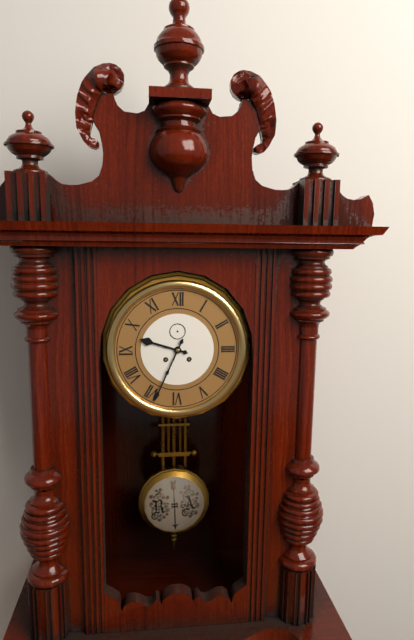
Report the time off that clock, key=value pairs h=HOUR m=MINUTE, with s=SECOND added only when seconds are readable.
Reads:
h=9 m=34
